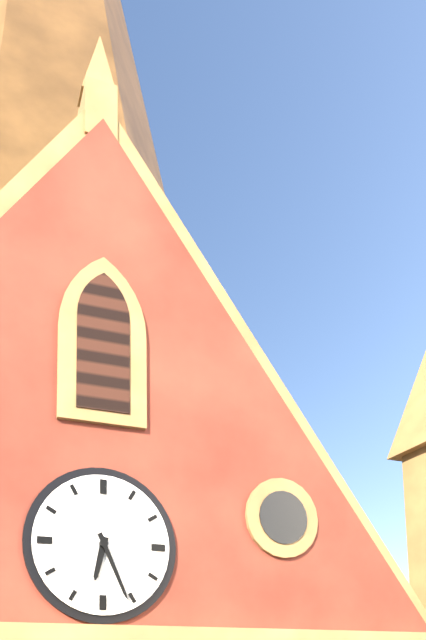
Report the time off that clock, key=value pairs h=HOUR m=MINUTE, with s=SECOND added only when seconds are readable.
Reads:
h=6 m=26
